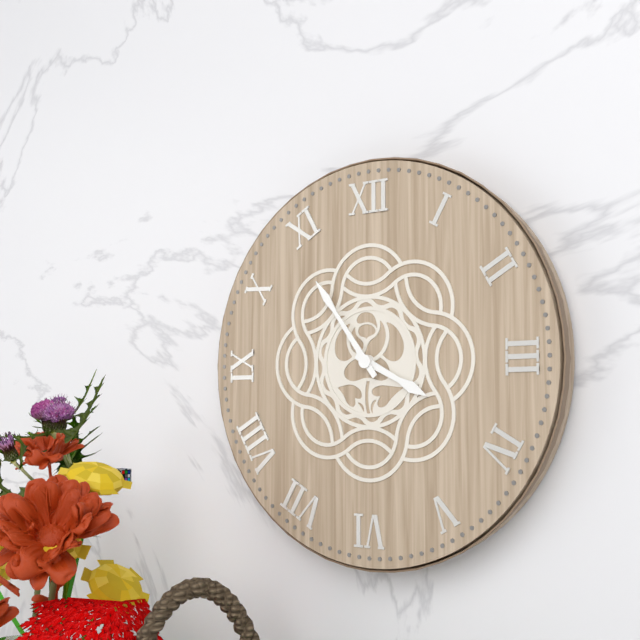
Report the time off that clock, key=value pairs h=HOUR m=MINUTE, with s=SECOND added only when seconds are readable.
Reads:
h=3 m=54
